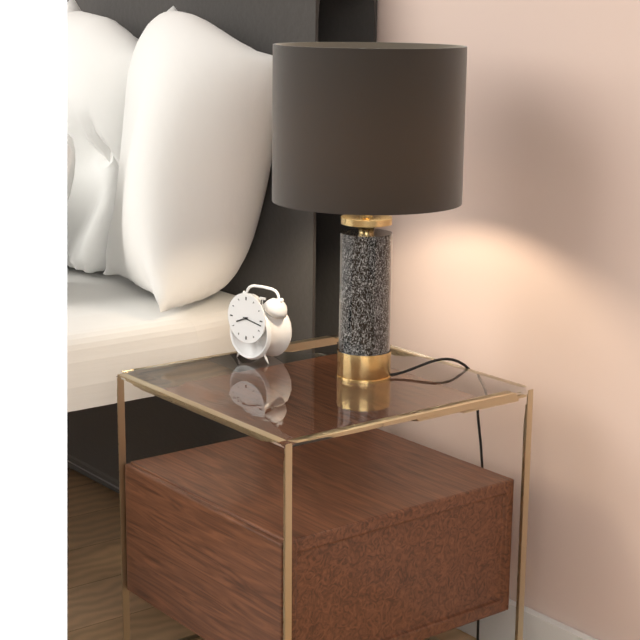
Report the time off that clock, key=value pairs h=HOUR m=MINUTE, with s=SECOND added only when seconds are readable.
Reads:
h=8 m=17
